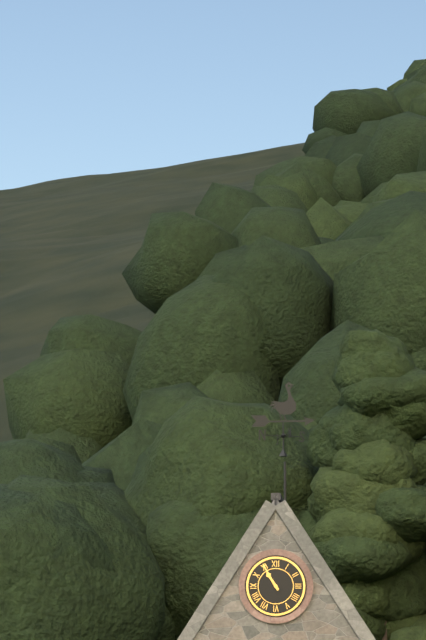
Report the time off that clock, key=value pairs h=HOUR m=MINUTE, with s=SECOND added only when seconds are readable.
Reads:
h=10 m=55
